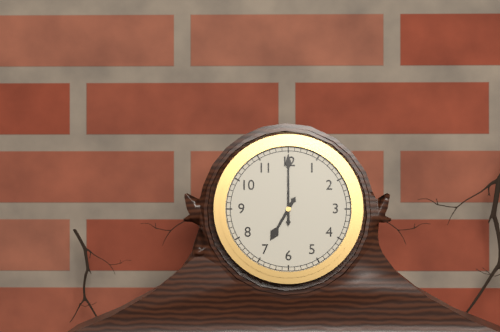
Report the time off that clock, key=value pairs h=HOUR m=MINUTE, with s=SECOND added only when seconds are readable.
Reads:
h=7 m=0
